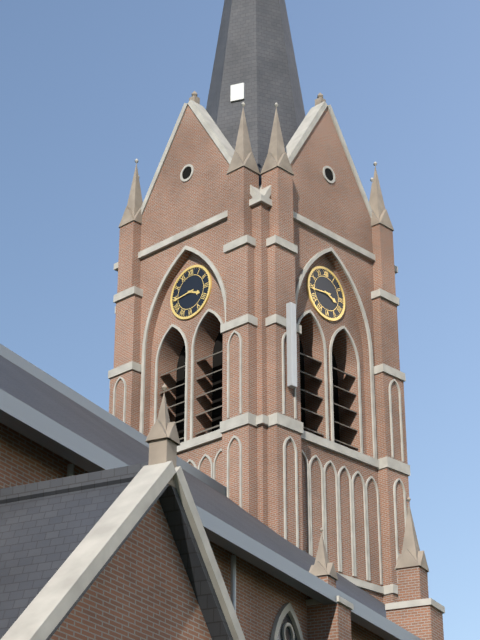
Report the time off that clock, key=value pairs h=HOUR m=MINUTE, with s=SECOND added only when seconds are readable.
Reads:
h=3 m=44
